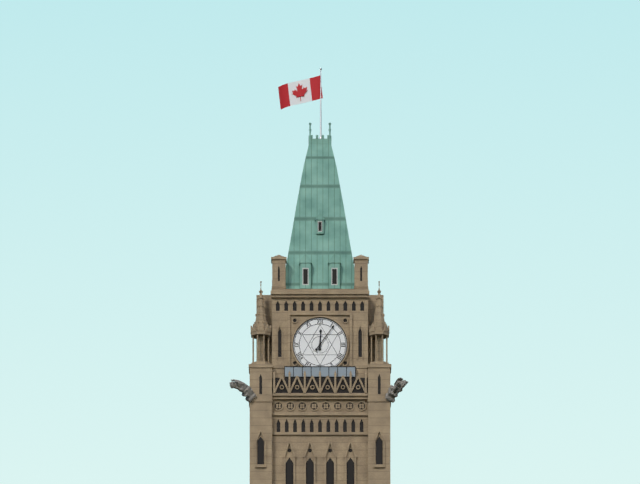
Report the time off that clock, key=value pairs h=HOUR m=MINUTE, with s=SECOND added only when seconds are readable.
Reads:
h=12 m=6
